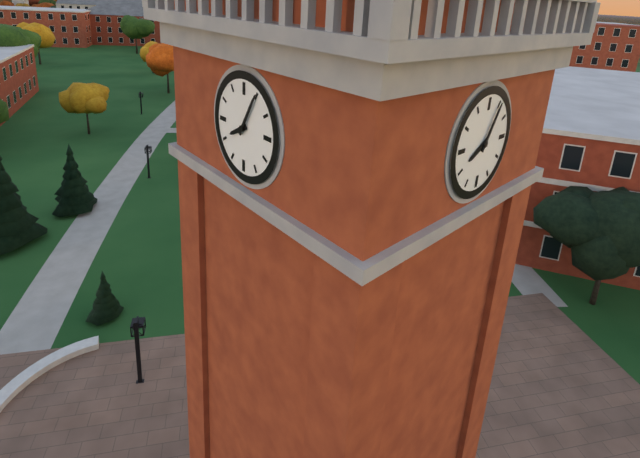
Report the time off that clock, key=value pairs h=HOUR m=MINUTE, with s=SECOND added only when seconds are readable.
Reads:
h=8 m=5
